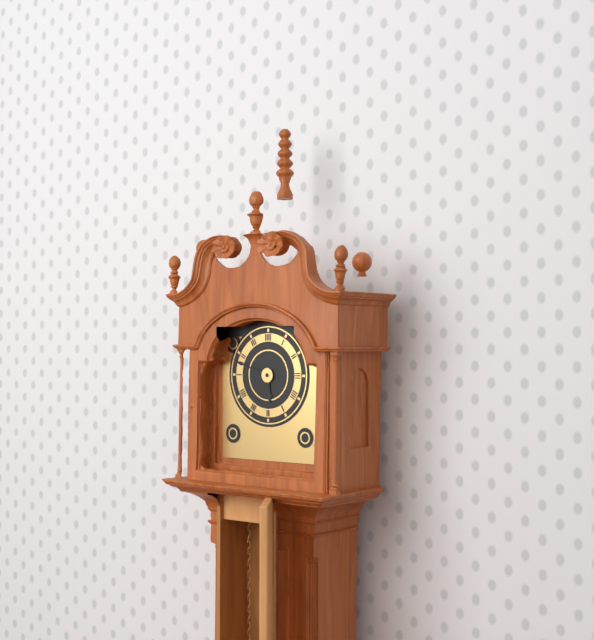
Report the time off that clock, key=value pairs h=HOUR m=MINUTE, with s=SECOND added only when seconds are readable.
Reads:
h=5 m=48
